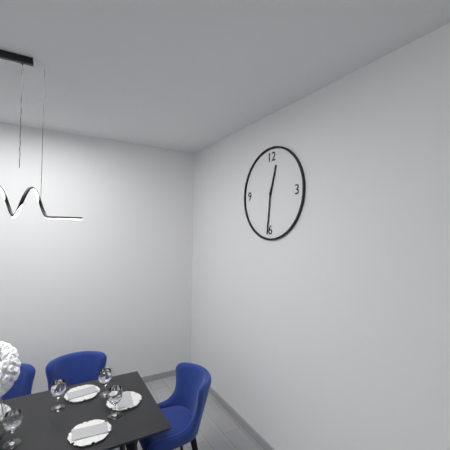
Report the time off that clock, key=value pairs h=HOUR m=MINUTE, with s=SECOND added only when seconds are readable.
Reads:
h=12 m=31
